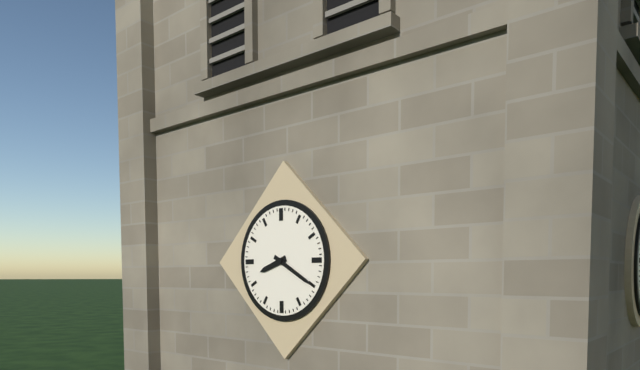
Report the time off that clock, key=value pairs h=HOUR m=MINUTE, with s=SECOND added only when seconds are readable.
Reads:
h=8 m=20
